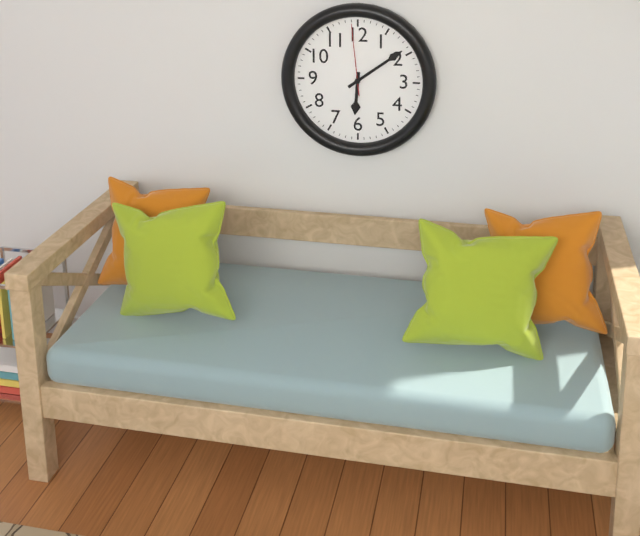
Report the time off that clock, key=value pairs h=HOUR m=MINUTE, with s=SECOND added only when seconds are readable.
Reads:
h=6 m=9 s=59
